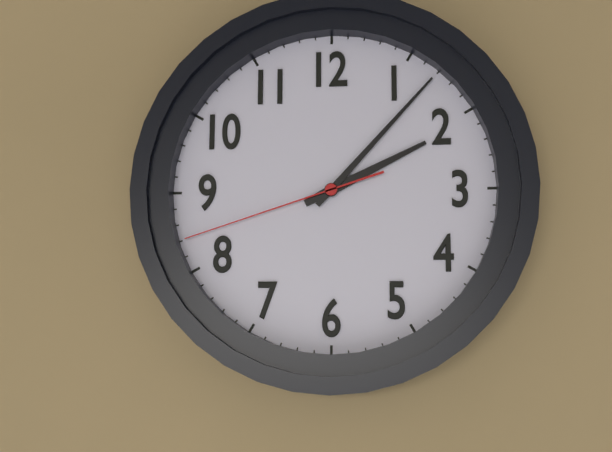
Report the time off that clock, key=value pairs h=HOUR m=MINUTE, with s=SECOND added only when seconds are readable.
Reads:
h=2 m=7 s=42
